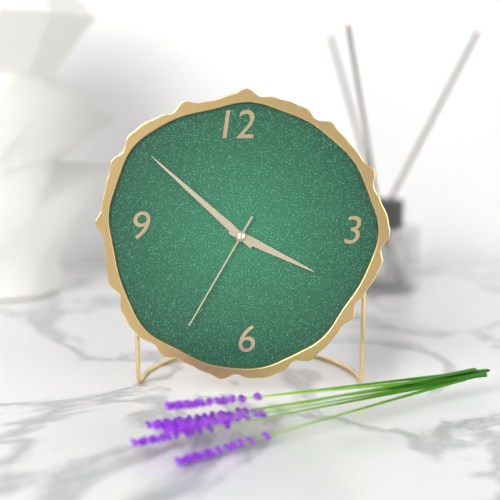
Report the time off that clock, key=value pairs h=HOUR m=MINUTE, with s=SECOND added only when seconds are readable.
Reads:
h=3 m=52 s=35
